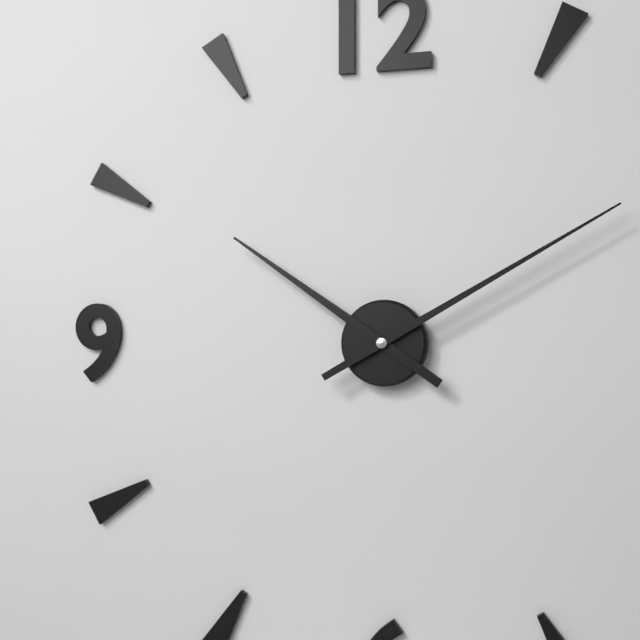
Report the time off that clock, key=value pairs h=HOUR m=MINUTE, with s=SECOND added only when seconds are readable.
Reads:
h=10 m=10
